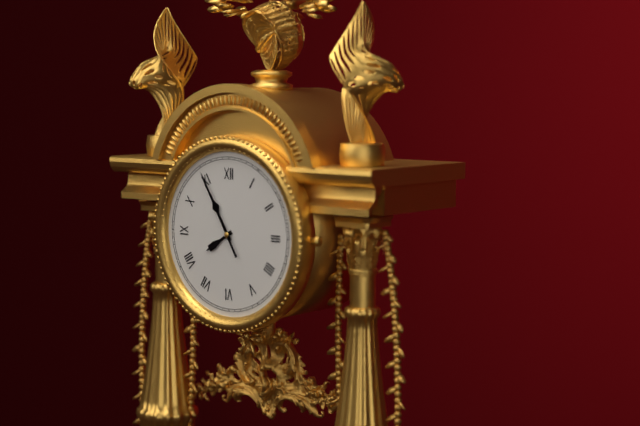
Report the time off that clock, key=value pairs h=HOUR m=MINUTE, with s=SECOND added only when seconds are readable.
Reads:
h=7 m=55 s=55
